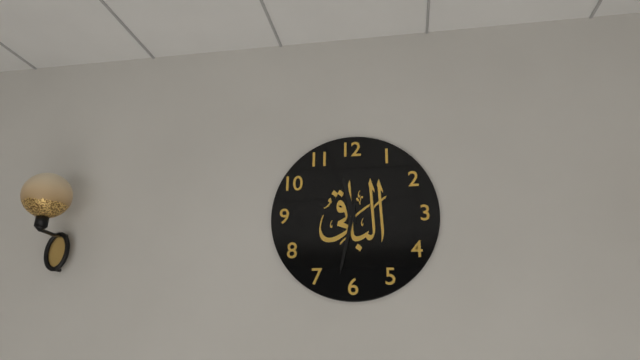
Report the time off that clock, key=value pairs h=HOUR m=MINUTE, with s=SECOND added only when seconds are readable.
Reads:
h=11 m=32
